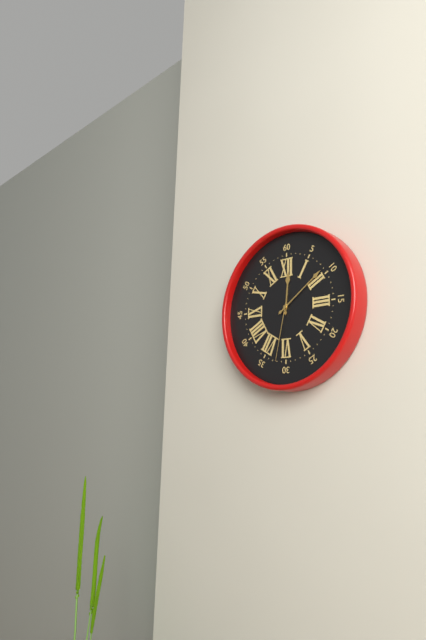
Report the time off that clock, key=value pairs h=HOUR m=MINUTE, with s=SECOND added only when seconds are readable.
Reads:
h=12 m=9 s=32
